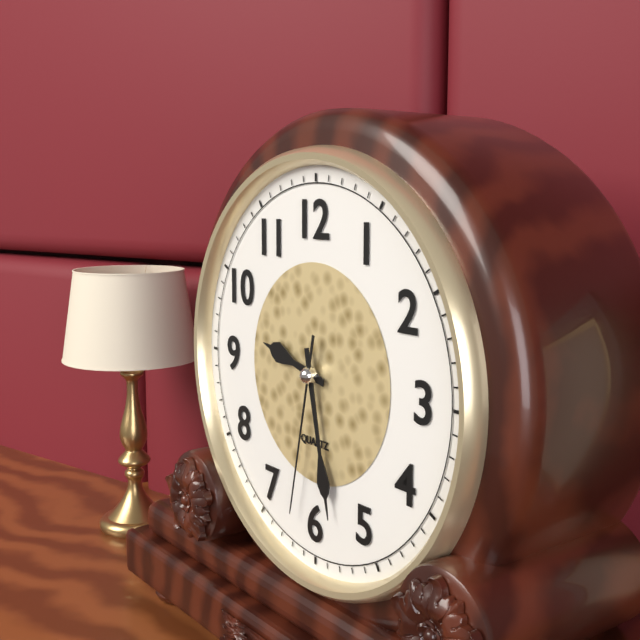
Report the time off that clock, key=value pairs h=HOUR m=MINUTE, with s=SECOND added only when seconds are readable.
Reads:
h=9 m=28 s=32
